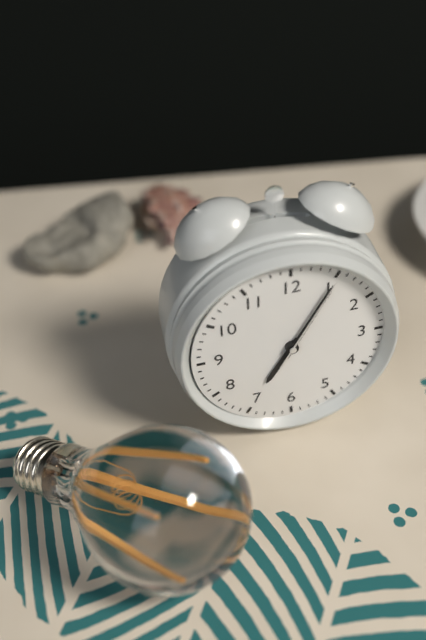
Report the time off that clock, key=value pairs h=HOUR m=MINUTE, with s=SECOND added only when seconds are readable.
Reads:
h=7 m=5 s=5
